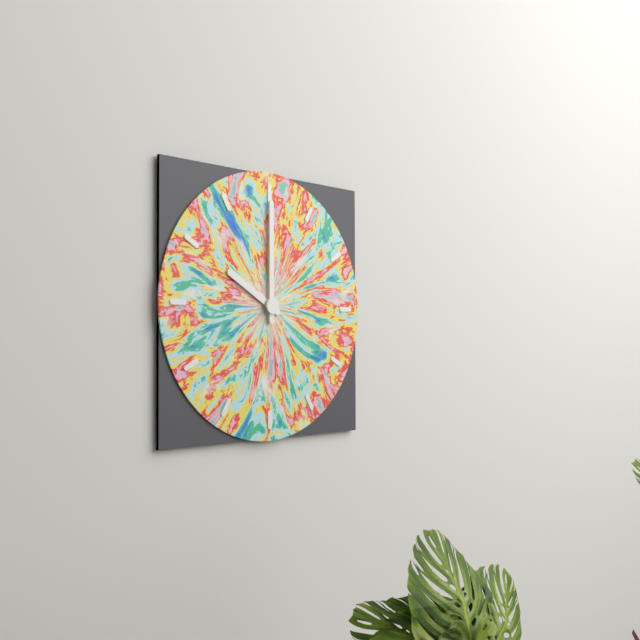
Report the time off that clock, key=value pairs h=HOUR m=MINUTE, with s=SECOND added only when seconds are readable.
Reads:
h=10 m=0
